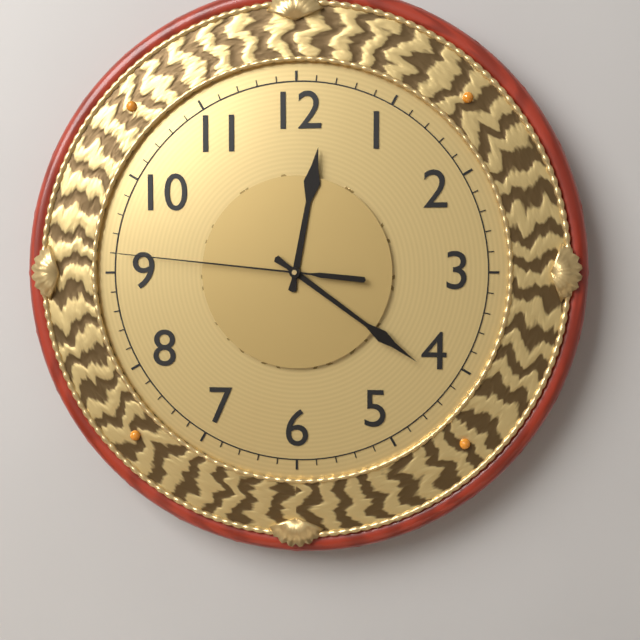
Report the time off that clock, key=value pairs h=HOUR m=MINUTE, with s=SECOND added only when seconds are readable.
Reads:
h=12 m=21 s=46
